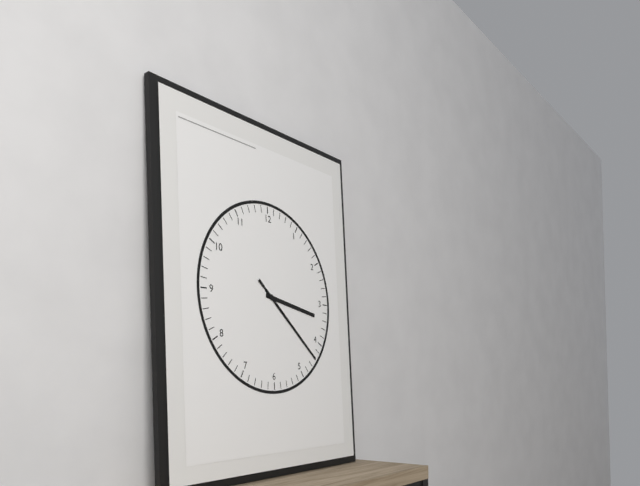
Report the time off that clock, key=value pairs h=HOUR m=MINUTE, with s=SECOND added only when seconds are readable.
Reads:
h=3 m=22 s=22
